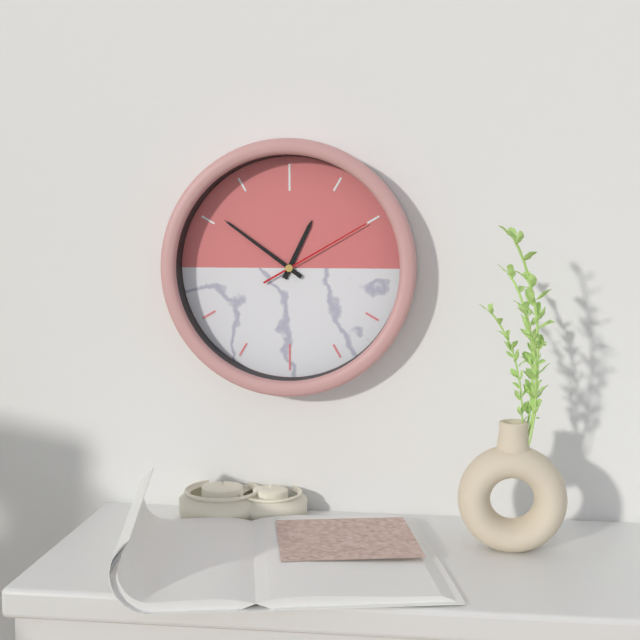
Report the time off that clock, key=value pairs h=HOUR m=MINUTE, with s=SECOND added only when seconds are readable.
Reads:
h=12 m=51 s=10
